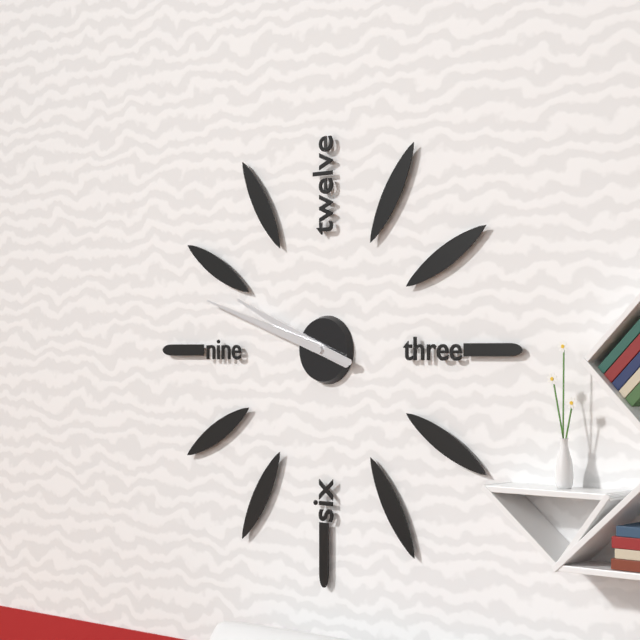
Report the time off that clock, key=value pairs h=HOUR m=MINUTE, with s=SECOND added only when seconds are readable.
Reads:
h=9 m=48
